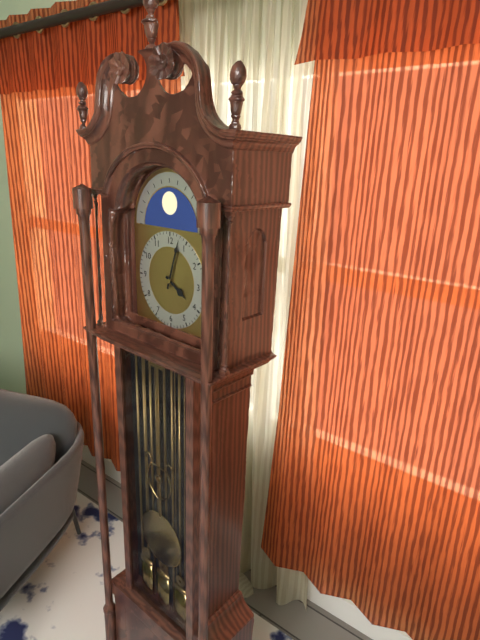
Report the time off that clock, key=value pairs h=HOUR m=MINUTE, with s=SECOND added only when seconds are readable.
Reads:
h=4 m=3
